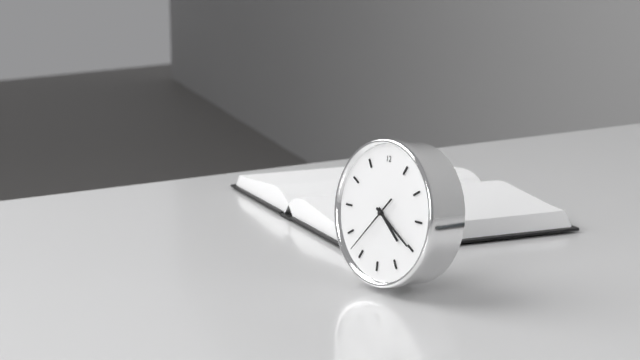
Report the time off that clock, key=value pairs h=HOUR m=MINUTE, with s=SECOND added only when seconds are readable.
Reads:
h=4 m=20 s=37
